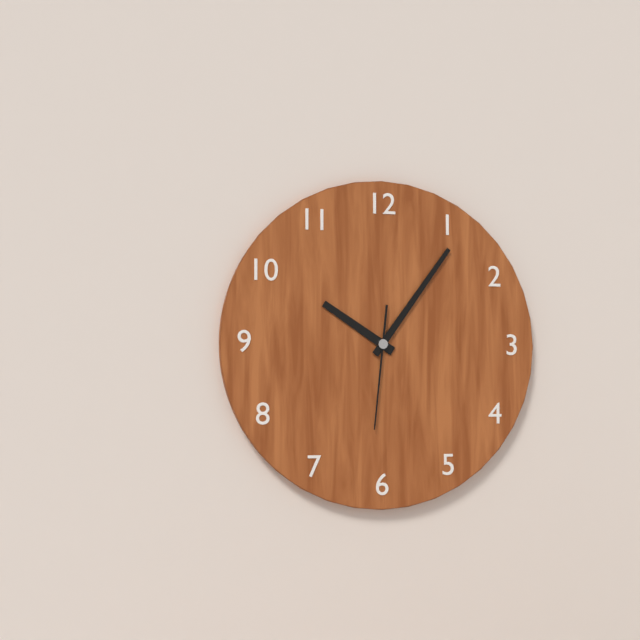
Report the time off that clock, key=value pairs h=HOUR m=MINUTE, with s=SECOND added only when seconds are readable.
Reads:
h=10 m=6 s=31
